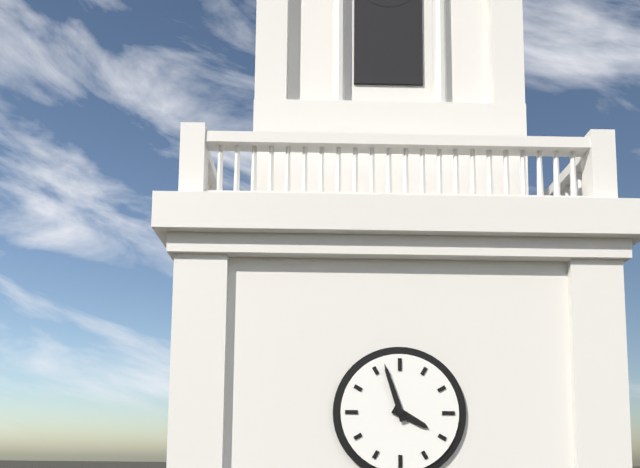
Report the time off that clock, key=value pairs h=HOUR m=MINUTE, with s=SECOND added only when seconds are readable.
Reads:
h=3 m=57
